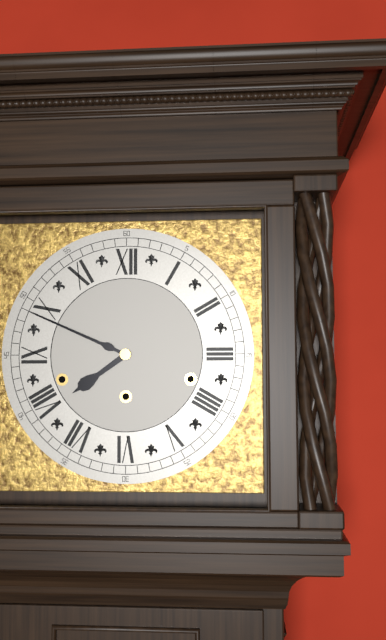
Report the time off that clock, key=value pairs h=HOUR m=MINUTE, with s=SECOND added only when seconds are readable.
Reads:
h=7 m=49
